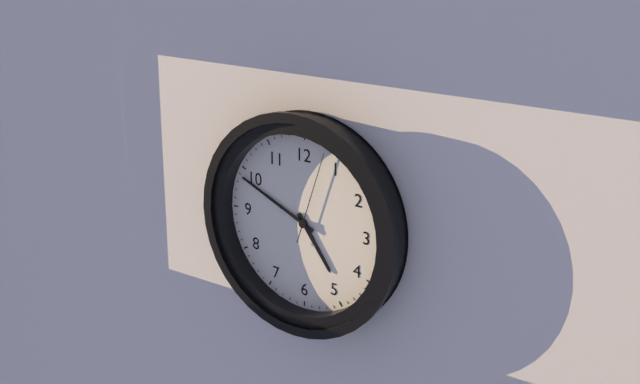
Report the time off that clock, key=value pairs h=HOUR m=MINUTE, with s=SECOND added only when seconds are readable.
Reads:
h=4 m=49 s=3
